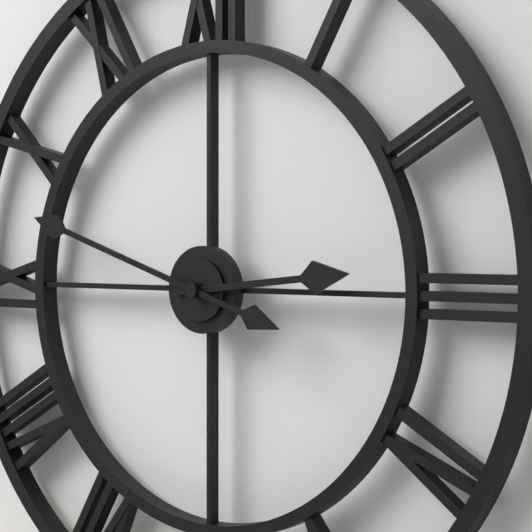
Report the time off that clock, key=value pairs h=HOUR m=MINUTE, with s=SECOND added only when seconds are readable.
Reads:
h=2 m=48
